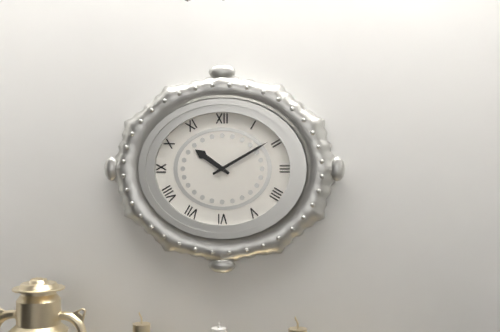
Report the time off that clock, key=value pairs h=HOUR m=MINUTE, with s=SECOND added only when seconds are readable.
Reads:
h=10 m=10
